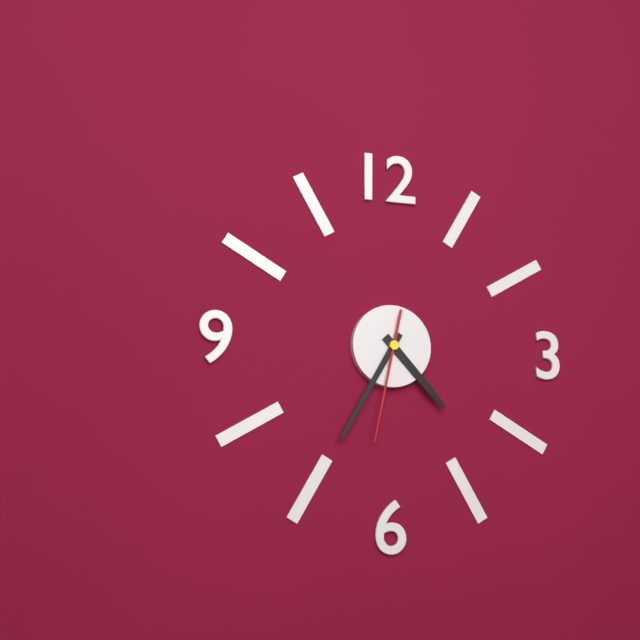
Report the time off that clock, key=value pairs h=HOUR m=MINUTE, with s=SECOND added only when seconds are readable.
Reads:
h=4 m=35 s=32
